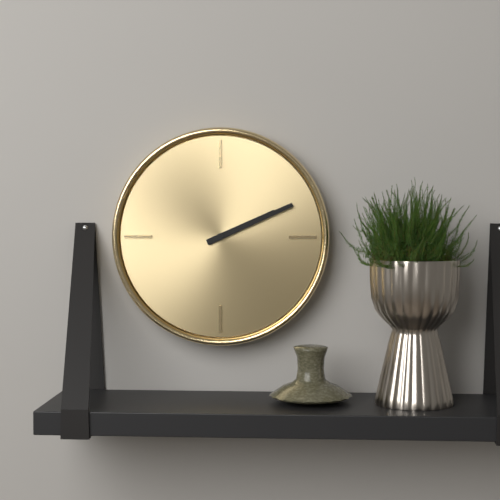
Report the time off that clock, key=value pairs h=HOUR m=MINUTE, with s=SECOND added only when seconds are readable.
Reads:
h=2 m=11
